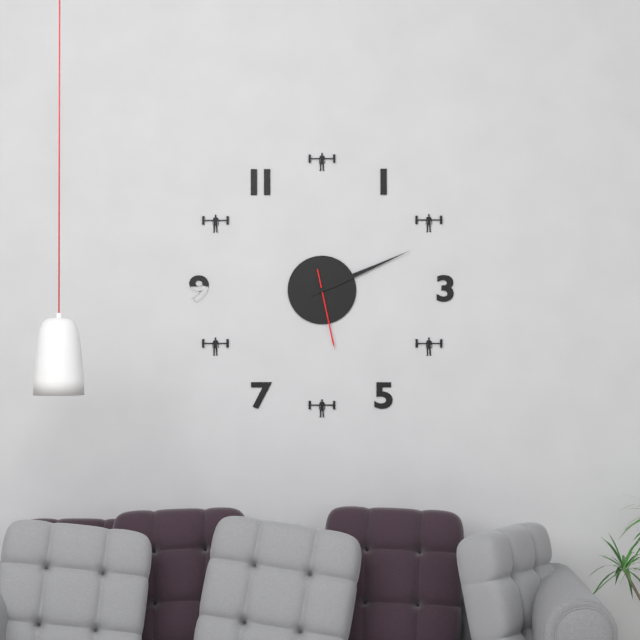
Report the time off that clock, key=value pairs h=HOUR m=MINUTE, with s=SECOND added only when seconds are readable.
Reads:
h=2 m=11 s=28
